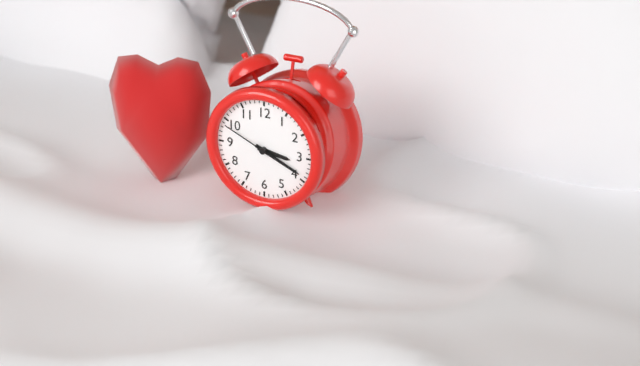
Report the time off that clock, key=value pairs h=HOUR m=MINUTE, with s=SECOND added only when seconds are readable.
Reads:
h=3 m=19 s=49
